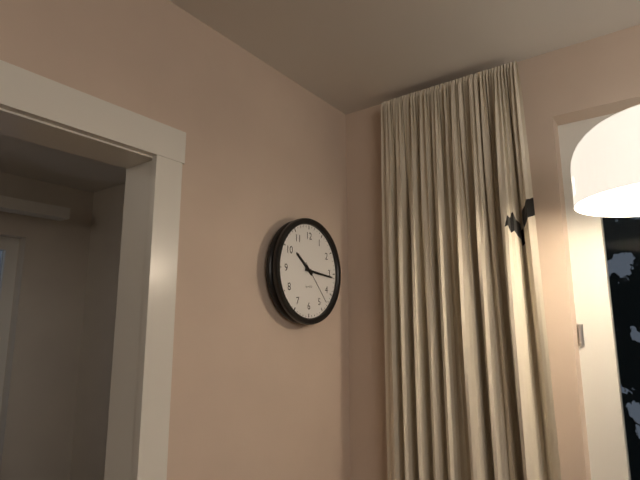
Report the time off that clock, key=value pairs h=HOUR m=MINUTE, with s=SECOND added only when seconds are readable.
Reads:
h=10 m=16
